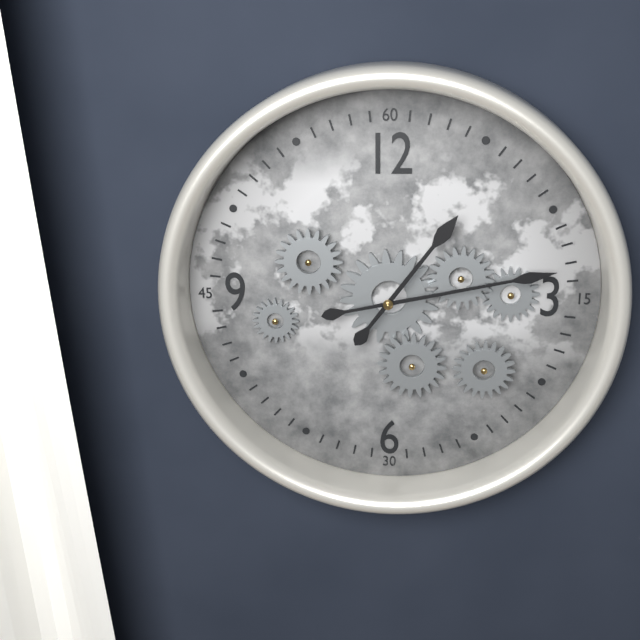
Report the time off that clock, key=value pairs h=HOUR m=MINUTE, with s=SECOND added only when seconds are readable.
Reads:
h=1 m=13
